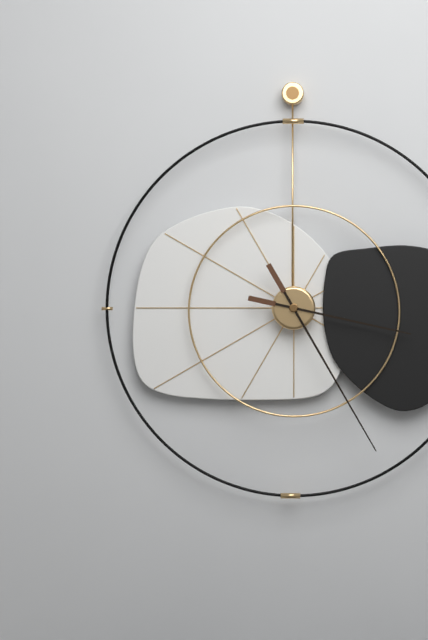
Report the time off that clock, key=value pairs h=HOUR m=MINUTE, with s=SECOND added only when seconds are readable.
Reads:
h=3 m=25
